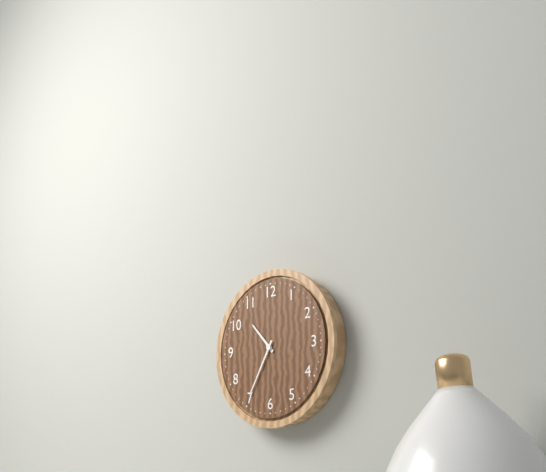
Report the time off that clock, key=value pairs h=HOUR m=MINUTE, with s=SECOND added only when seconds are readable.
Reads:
h=10 m=35
